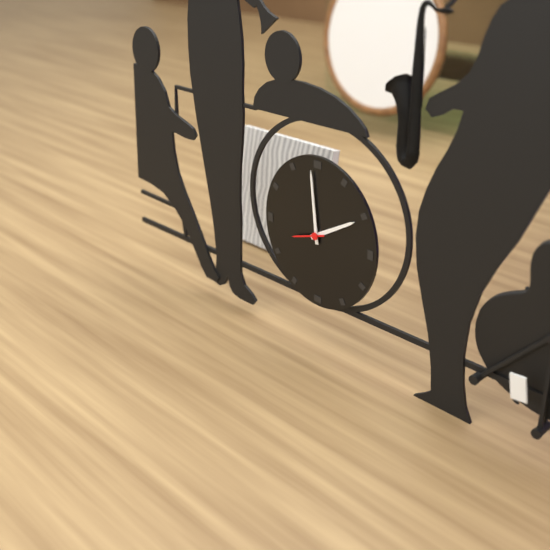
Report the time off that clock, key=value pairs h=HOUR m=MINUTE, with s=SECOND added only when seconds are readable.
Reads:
h=1 m=59
